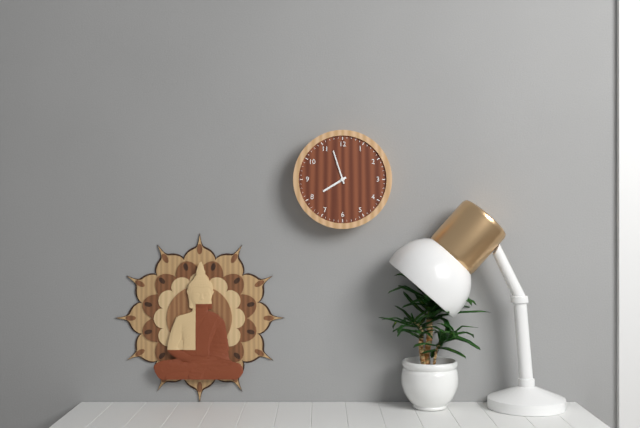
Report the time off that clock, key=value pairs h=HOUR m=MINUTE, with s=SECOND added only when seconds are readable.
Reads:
h=7 m=57
